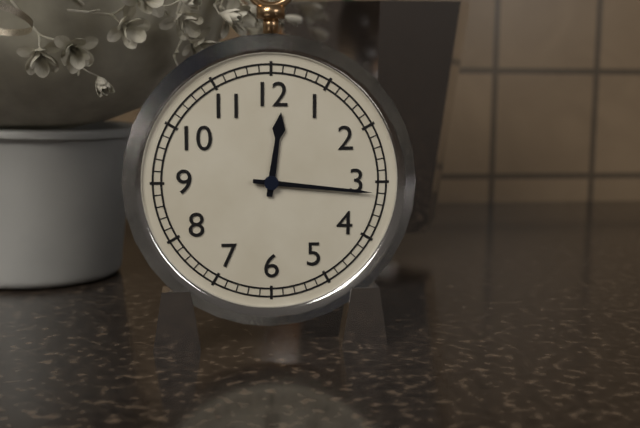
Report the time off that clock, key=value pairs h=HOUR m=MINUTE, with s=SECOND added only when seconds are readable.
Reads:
h=12 m=16
